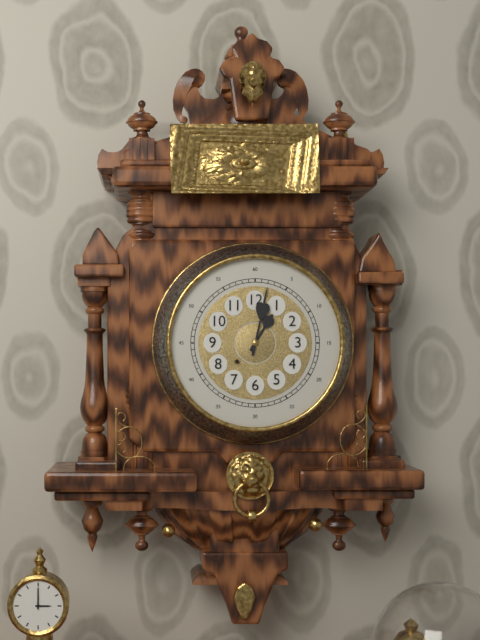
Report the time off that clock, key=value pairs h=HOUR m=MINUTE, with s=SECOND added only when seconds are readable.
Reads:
h=1 m=2
